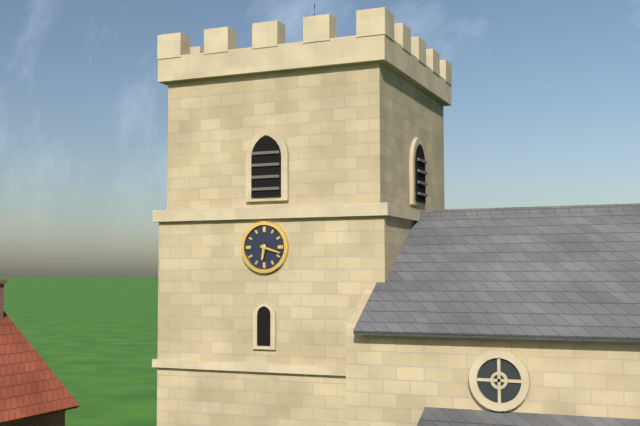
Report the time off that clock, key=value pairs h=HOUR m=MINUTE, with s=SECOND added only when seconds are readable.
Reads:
h=6 m=18
